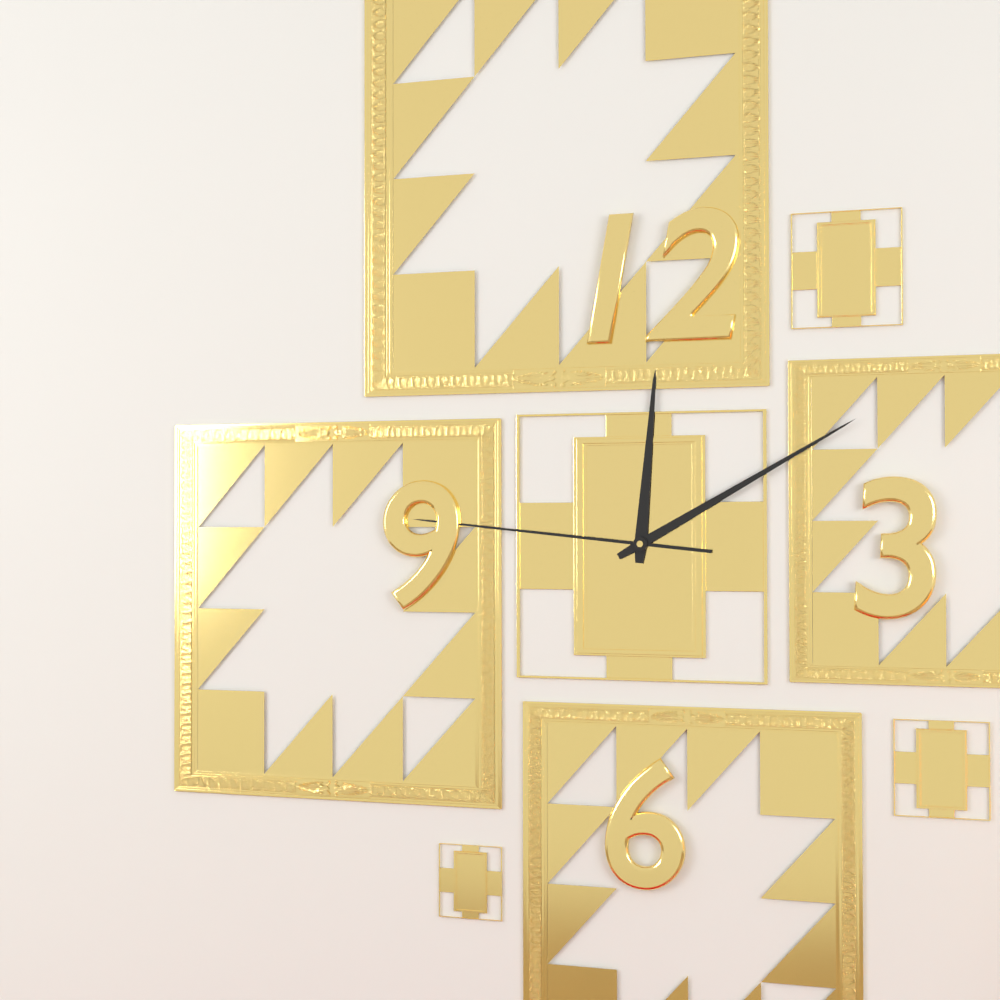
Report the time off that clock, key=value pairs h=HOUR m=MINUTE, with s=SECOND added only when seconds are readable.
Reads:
h=12 m=10 s=46
